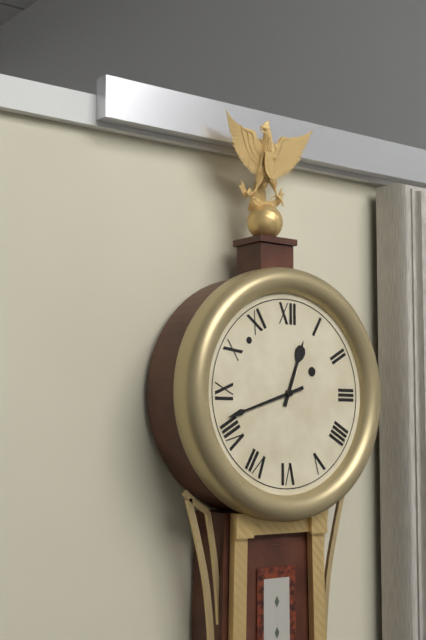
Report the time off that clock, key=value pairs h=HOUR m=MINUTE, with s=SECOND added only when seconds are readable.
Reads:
h=12 m=42
